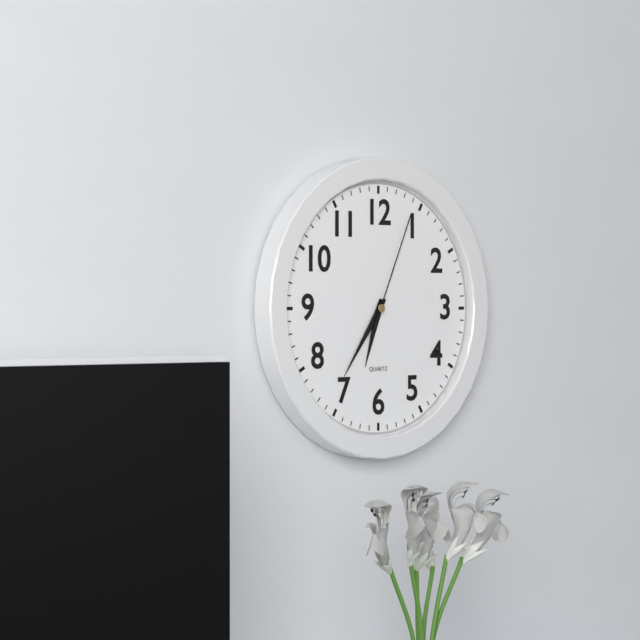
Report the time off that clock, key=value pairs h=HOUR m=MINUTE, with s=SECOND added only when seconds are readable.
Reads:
h=6 m=36 s=4
